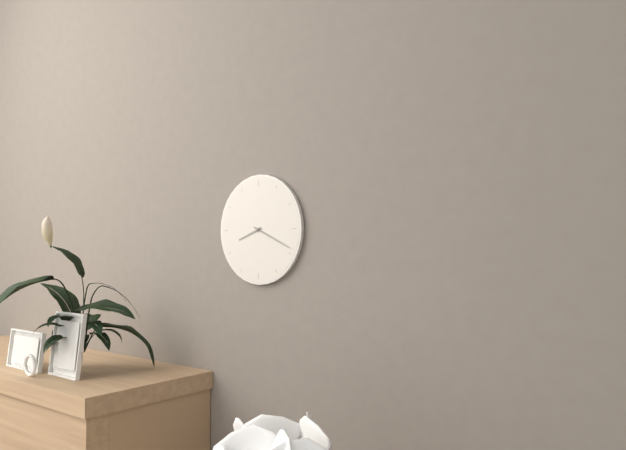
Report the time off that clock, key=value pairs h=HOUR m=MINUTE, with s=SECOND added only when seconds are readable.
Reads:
h=8 m=19
